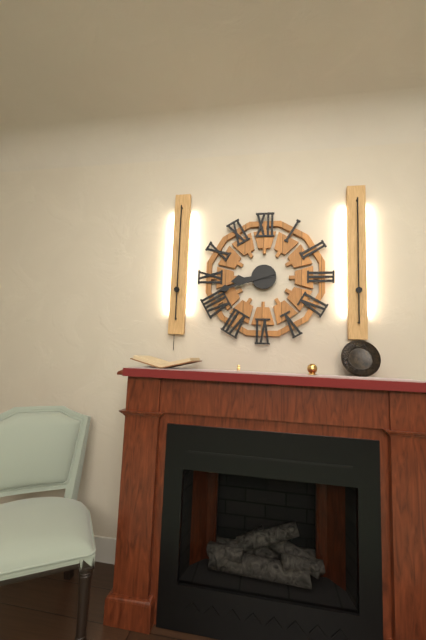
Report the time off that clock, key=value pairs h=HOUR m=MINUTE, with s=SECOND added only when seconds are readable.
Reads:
h=8 m=42
